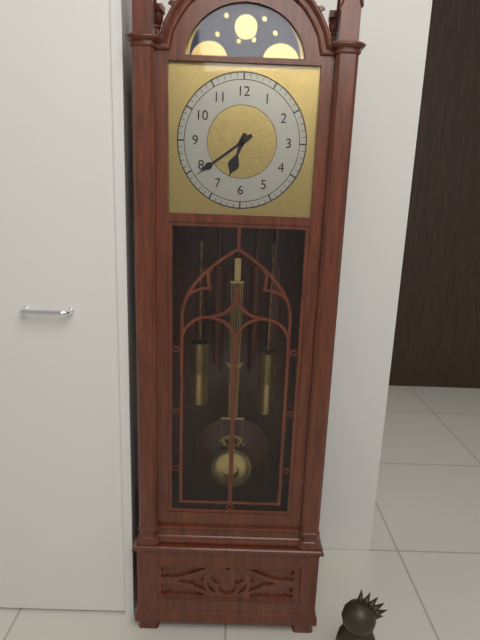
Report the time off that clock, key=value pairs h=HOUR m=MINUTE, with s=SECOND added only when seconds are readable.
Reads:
h=6 m=39
